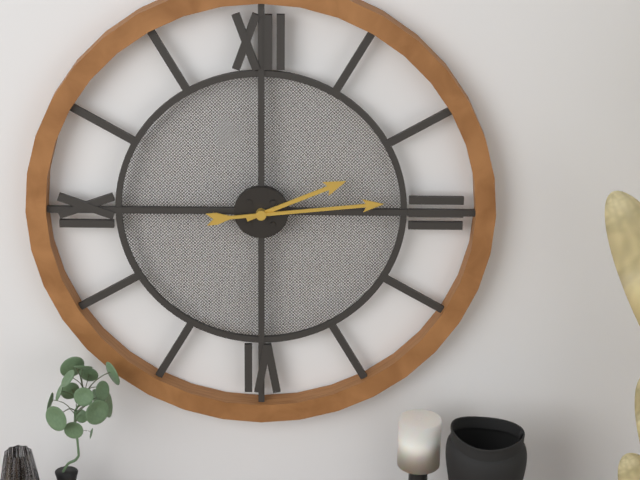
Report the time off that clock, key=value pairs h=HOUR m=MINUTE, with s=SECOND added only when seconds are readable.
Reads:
h=2 m=14
